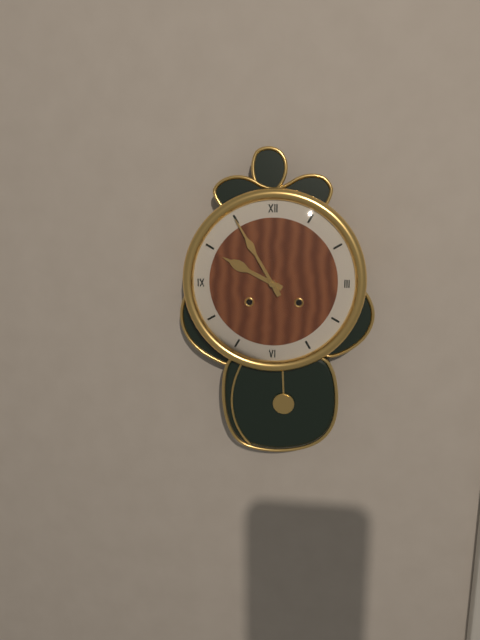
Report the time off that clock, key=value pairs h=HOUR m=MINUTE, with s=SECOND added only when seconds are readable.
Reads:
h=9 m=55
